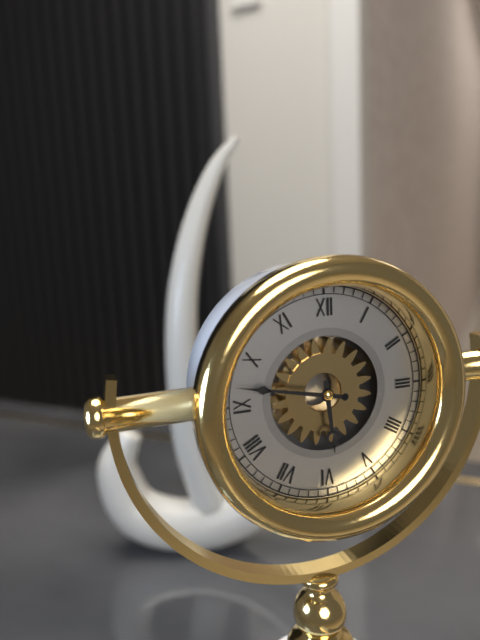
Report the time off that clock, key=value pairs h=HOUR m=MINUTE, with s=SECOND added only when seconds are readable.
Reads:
h=5 m=47
